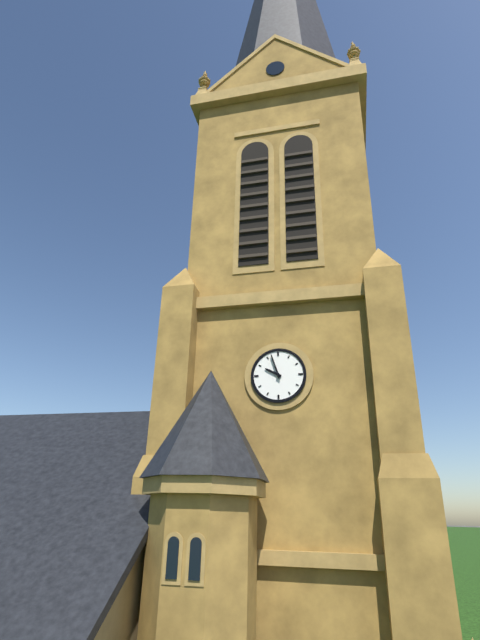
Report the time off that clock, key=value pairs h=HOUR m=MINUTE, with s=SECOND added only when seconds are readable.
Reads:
h=9 m=57
